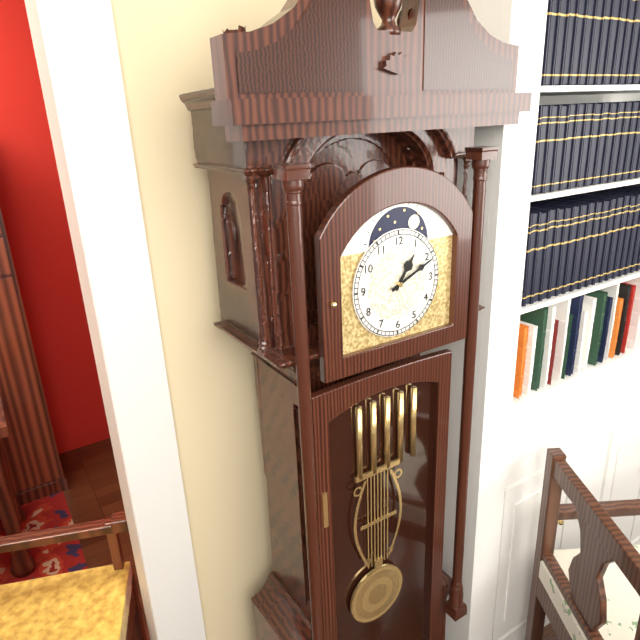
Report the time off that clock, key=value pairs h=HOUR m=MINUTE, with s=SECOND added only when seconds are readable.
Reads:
h=1 m=11
